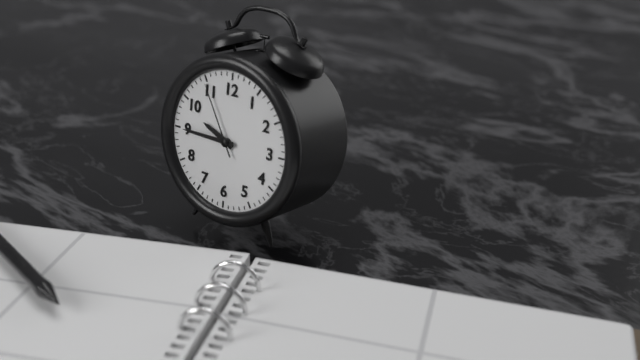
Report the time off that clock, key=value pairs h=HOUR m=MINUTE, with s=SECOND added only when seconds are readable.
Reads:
h=9 m=45 s=55
